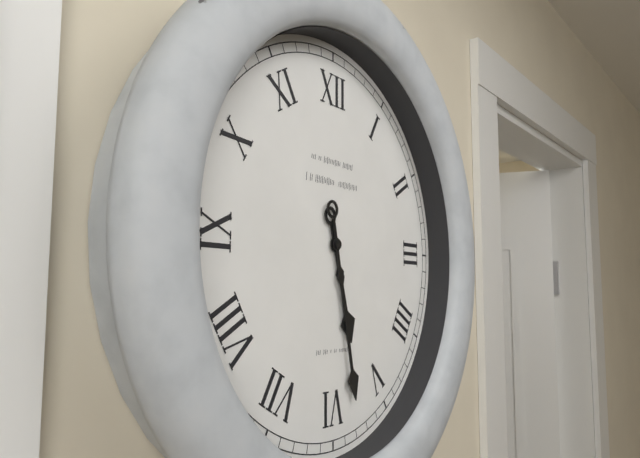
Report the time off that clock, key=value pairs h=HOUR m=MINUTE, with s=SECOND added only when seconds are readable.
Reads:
h=5 m=28
